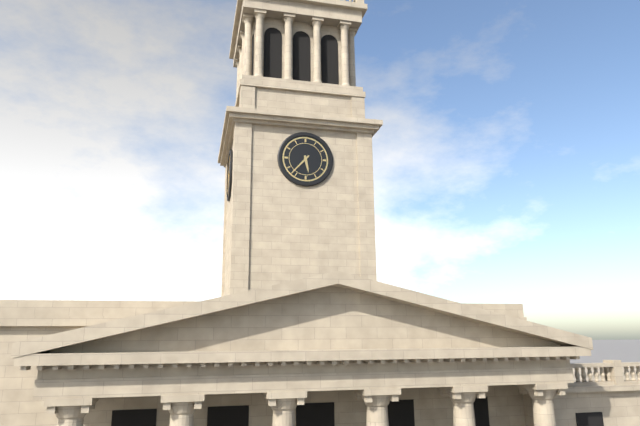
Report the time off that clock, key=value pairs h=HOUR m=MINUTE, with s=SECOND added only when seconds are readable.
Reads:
h=5 m=37
